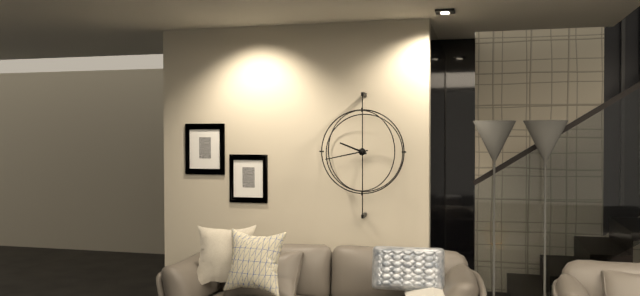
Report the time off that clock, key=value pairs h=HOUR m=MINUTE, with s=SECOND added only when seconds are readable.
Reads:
h=9 m=43
